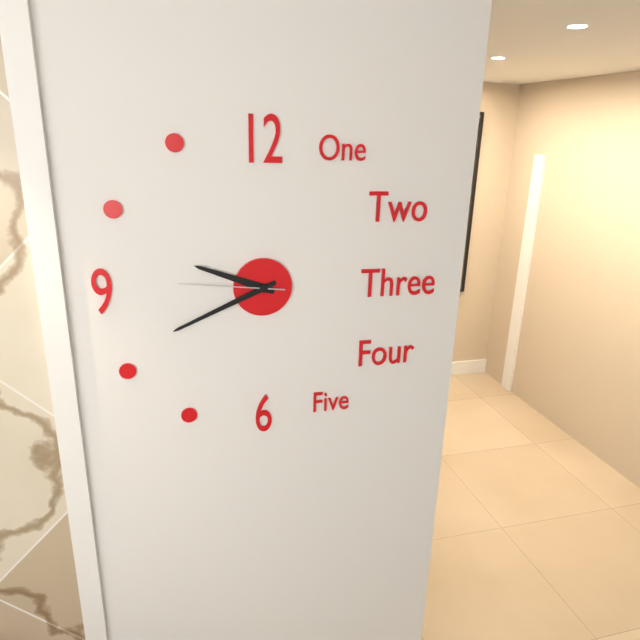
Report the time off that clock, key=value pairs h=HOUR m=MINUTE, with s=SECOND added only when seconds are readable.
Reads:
h=9 m=41 s=46
